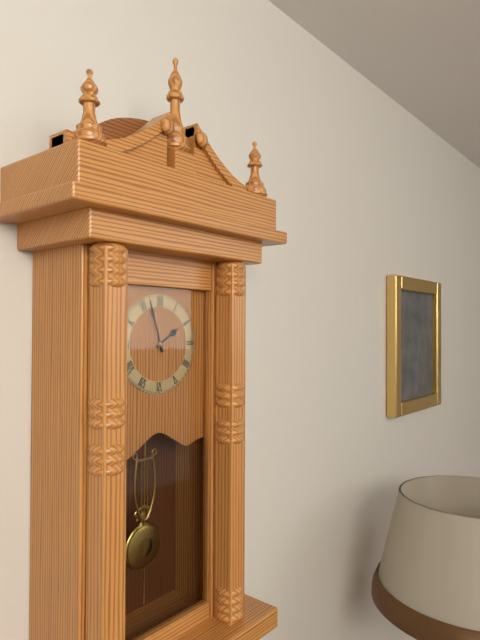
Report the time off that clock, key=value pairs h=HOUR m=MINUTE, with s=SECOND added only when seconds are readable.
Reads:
h=1 m=57
